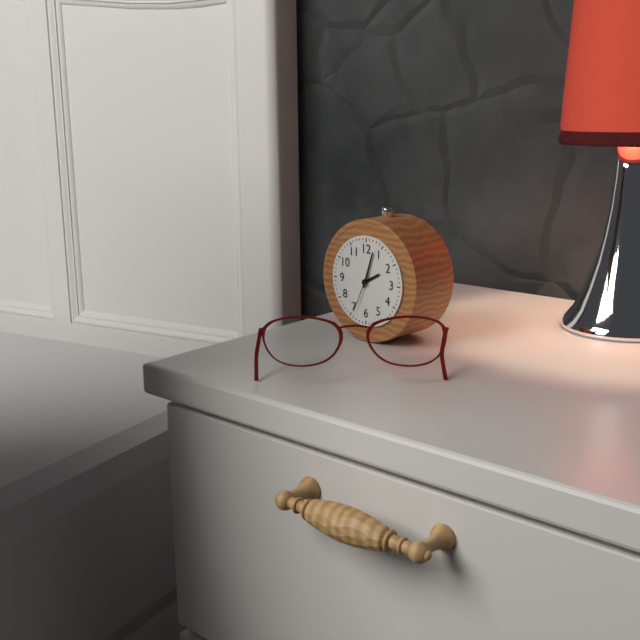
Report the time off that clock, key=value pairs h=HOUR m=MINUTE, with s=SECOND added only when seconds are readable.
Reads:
h=2 m=3
